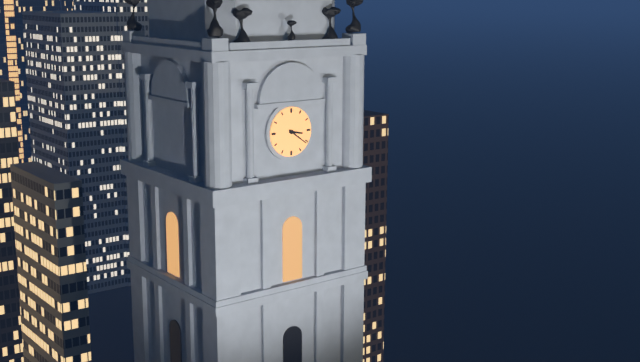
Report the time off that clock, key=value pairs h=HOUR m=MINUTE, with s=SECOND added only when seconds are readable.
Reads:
h=3 m=21
